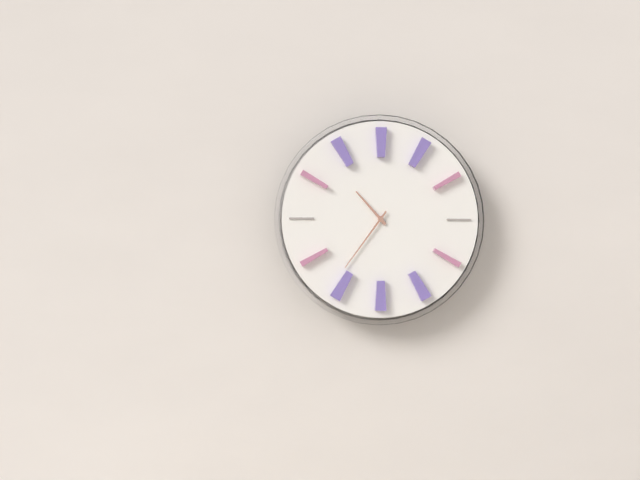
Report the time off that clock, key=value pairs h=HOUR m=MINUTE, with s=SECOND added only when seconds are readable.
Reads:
h=10 m=36
